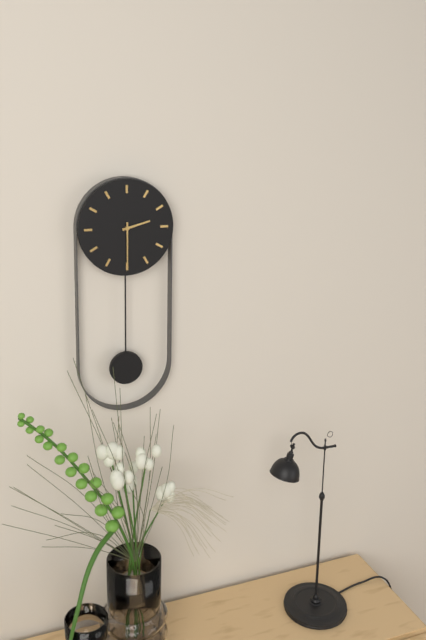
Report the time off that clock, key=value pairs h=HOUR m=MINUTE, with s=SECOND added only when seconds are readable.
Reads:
h=2 m=30
